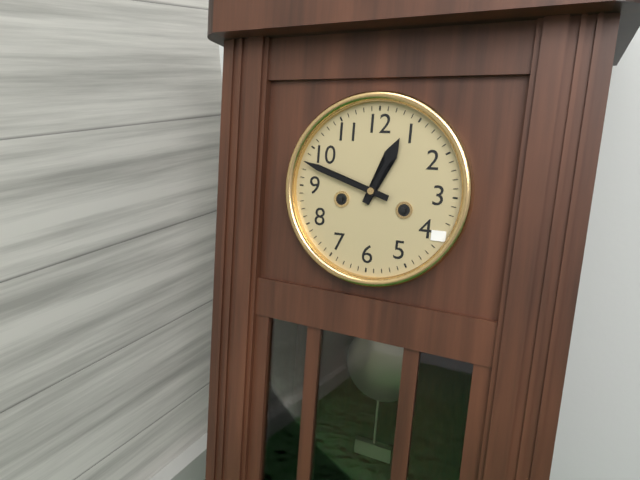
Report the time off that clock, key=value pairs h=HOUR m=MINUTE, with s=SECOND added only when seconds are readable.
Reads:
h=12 m=48
